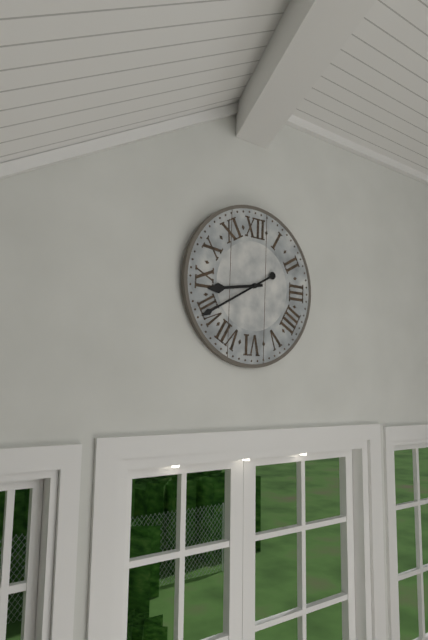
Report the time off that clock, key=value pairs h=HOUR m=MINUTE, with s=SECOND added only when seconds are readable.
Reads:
h=8 m=40
